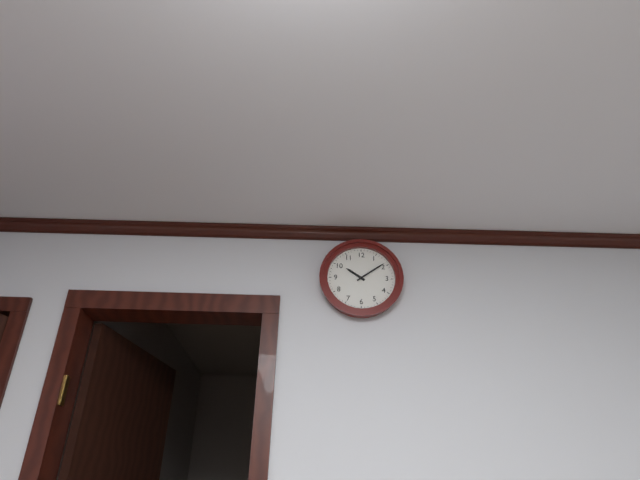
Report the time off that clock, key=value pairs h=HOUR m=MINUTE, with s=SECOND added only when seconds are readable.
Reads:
h=10 m=9
